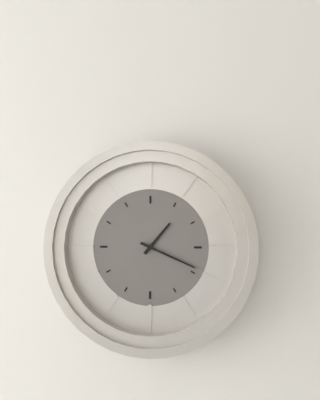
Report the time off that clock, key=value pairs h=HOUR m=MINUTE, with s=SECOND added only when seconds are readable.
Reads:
h=1 m=19
